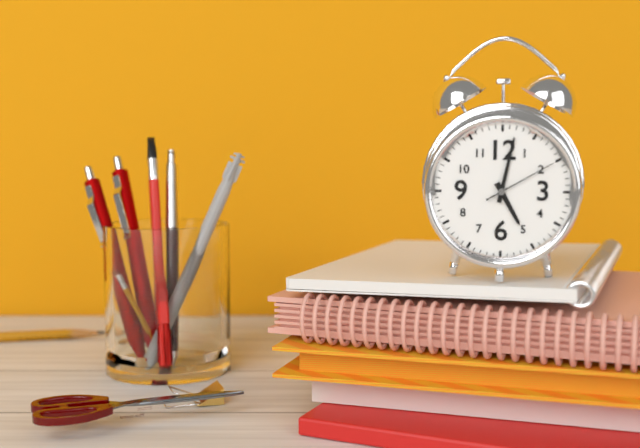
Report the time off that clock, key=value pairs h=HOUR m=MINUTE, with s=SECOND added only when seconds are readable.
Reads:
h=5 m=2 s=10
